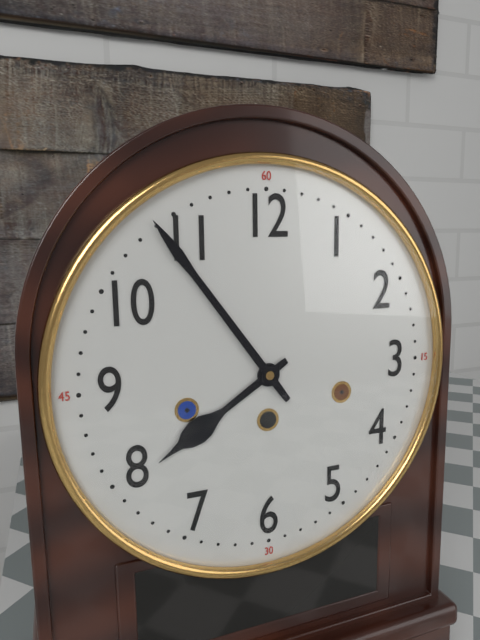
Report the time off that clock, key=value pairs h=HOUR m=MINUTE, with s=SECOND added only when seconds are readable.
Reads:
h=7 m=54
